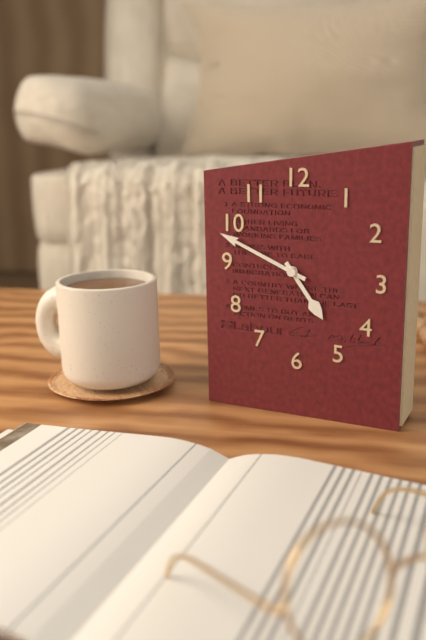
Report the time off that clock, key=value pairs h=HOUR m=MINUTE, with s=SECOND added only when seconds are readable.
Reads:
h=4 m=49
